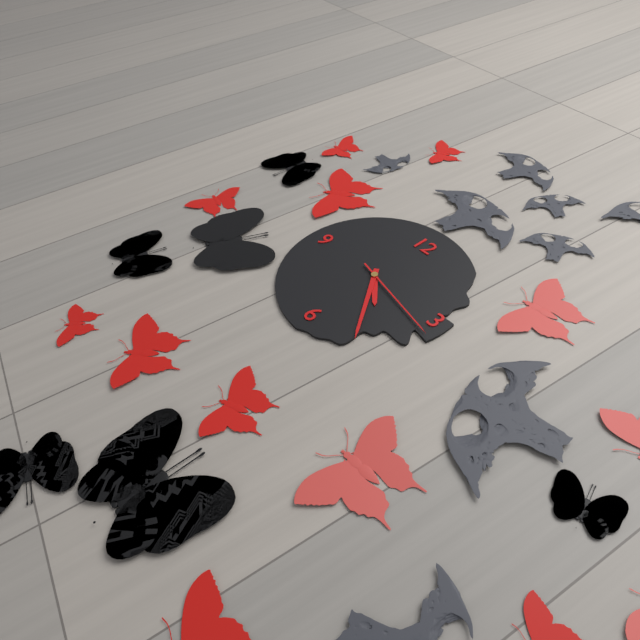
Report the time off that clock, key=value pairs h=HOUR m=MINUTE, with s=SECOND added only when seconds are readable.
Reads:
h=4 m=24 s=17
